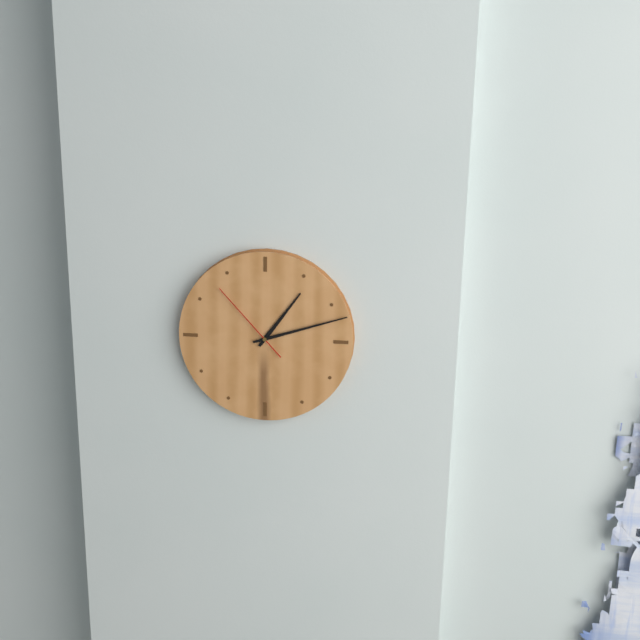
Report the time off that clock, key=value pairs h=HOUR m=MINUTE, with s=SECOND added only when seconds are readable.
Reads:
h=1 m=12 s=53
